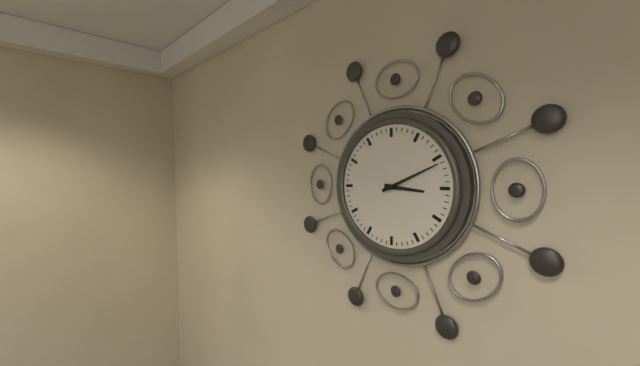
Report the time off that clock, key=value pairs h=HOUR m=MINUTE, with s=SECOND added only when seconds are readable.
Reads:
h=3 m=11
